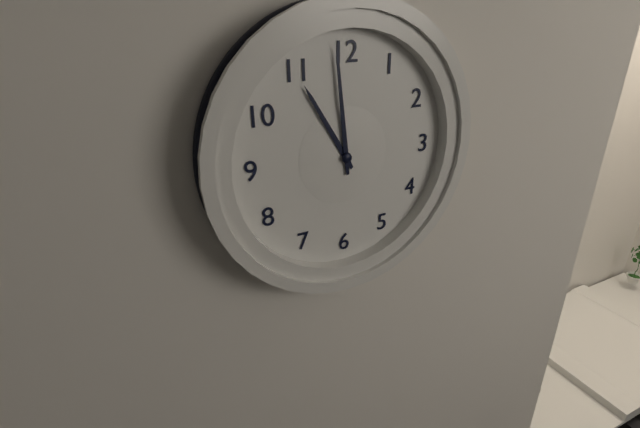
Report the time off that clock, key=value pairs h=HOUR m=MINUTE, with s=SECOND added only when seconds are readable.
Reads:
h=10 m=59
